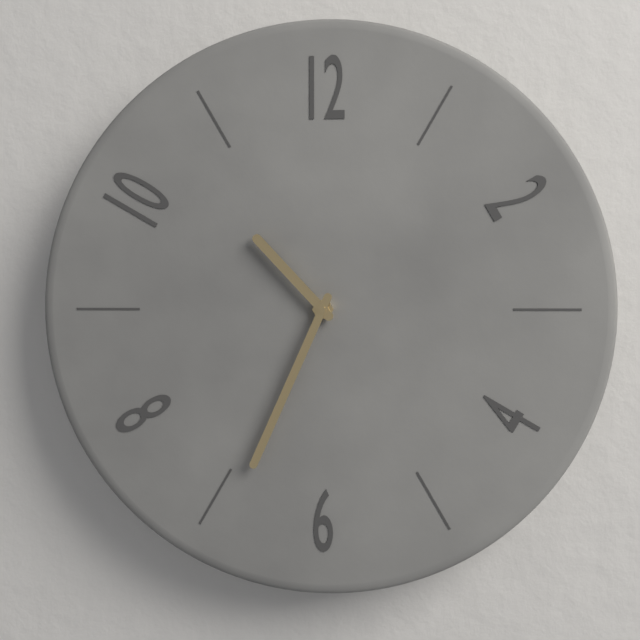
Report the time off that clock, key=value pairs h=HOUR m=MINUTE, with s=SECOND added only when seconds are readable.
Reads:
h=10 m=34
